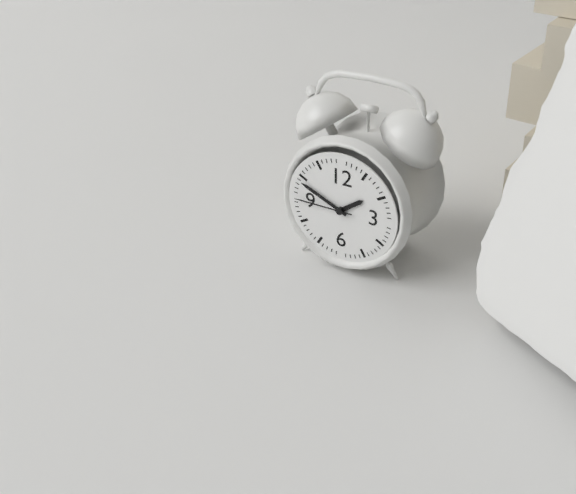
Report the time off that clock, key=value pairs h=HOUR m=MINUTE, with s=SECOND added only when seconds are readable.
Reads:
h=1 m=49 s=45
